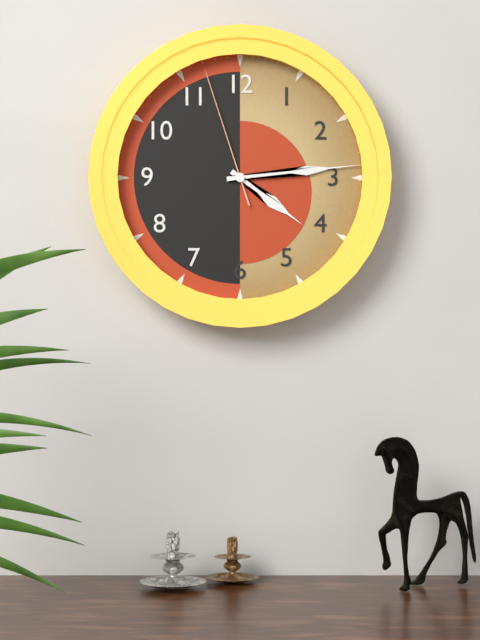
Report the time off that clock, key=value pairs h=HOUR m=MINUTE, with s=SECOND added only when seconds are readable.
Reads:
h=4 m=14 s=57
